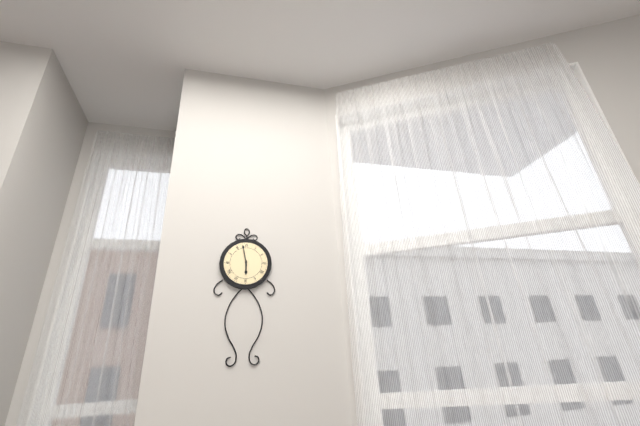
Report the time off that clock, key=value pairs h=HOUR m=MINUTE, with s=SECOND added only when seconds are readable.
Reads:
h=5 m=58
